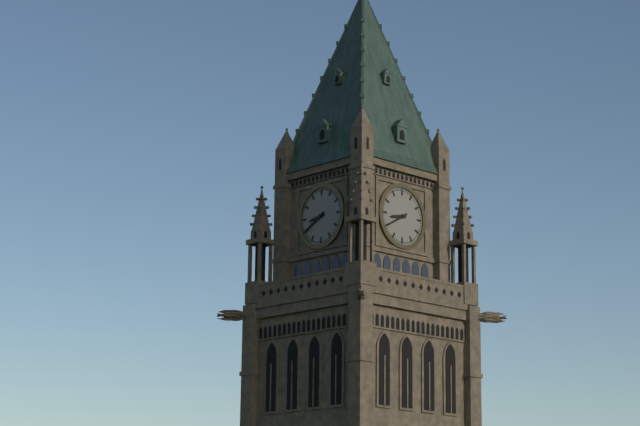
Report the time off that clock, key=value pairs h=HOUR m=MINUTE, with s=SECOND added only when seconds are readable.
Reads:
h=8 m=40
